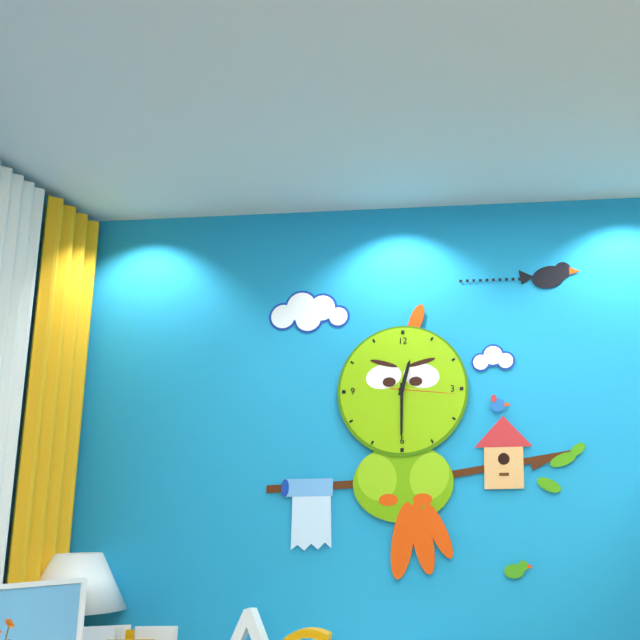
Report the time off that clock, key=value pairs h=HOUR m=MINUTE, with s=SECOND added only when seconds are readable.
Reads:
h=12 m=30 s=16
